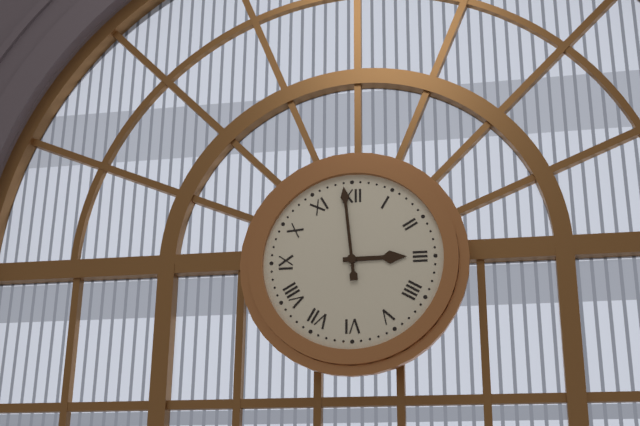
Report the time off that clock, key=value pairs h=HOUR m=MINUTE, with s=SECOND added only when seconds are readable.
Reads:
h=2 m=59
